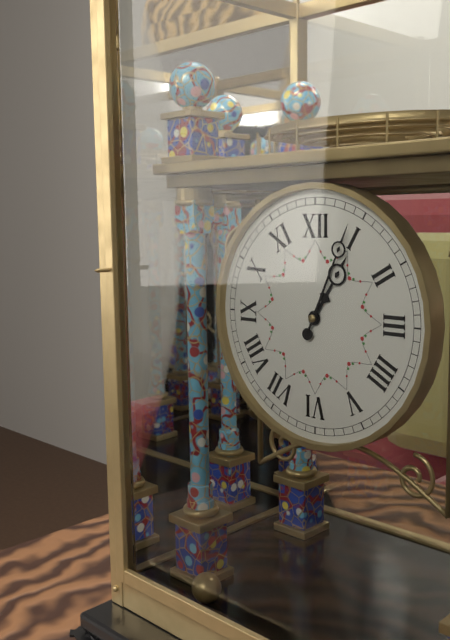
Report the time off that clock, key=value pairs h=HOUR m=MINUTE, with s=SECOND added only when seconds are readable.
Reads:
h=1 m=4
